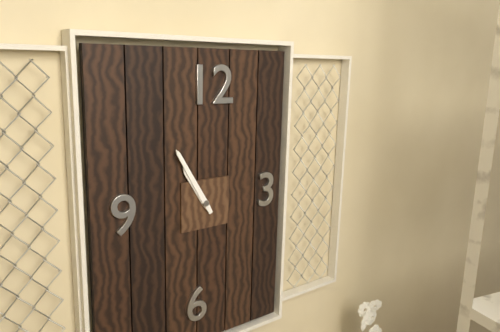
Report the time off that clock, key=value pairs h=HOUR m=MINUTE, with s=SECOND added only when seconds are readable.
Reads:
h=10 m=55
